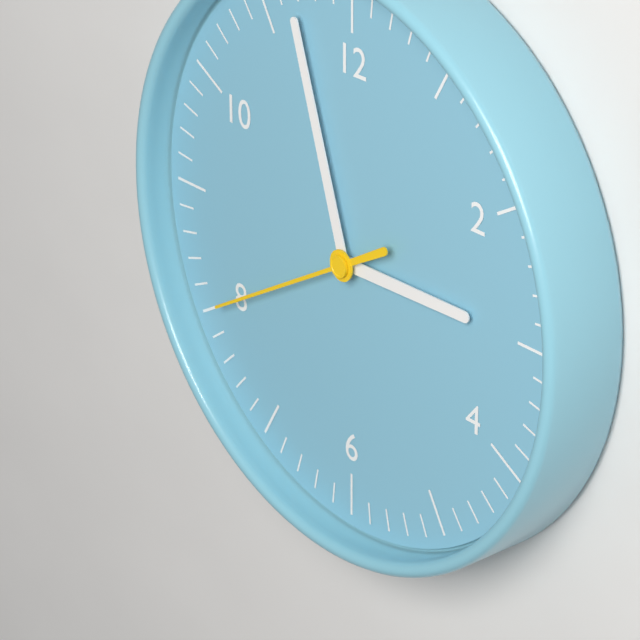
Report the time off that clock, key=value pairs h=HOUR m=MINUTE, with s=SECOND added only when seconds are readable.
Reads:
h=2 m=57 s=40
